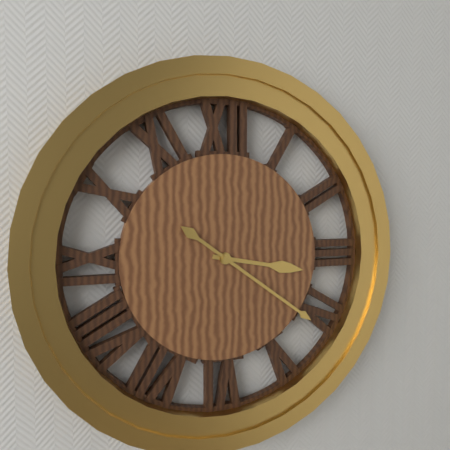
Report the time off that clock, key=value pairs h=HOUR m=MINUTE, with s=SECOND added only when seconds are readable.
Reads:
h=3 m=21
